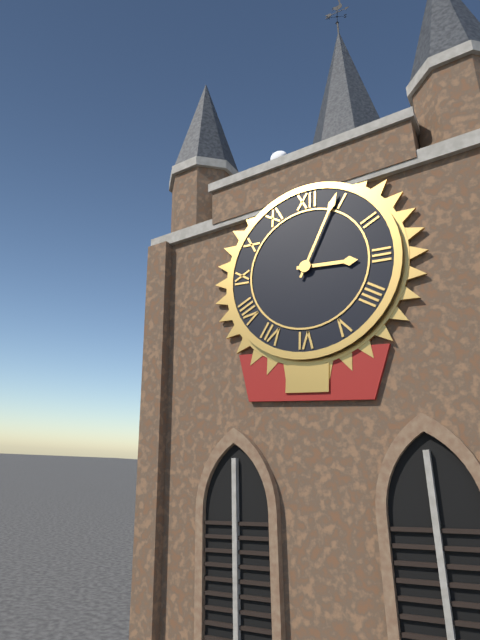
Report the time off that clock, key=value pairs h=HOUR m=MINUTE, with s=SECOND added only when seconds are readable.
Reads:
h=3 m=4
